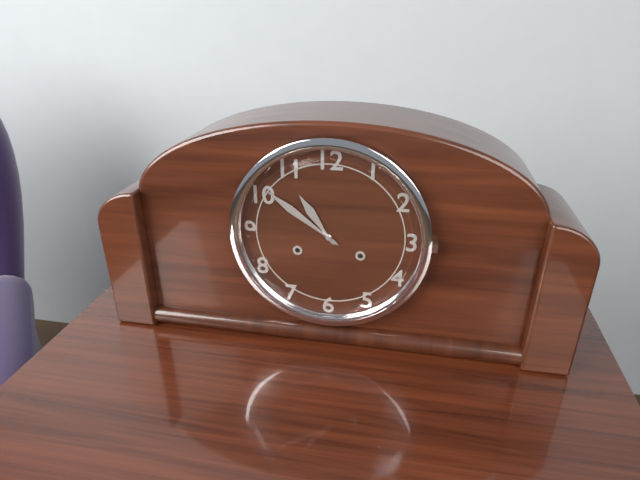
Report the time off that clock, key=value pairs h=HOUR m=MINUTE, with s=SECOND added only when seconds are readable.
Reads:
h=10 m=51
